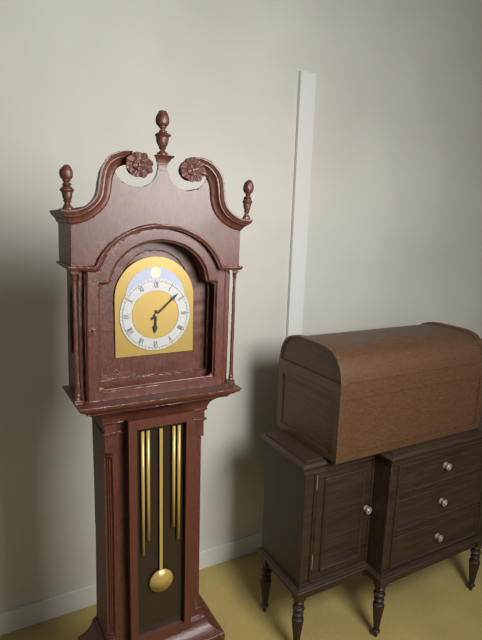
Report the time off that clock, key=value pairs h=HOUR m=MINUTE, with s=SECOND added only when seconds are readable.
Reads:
h=6 m=8
